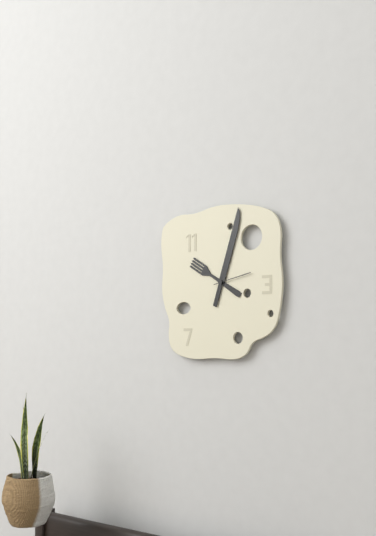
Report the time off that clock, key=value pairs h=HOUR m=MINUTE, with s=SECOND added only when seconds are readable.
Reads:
h=10 m=3
